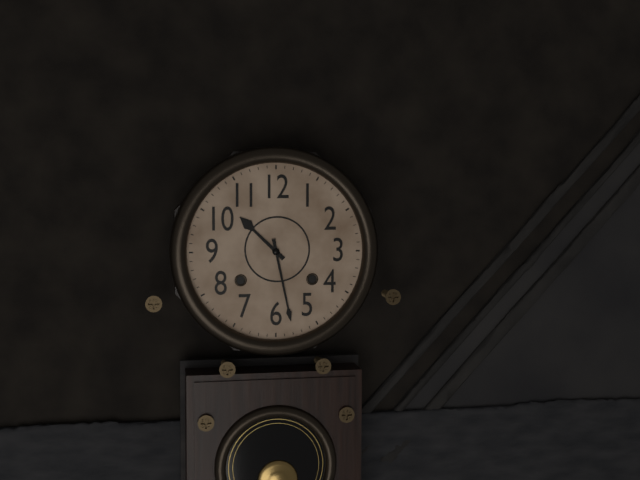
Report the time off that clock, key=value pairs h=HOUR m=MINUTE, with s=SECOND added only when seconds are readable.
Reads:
h=10 m=28
